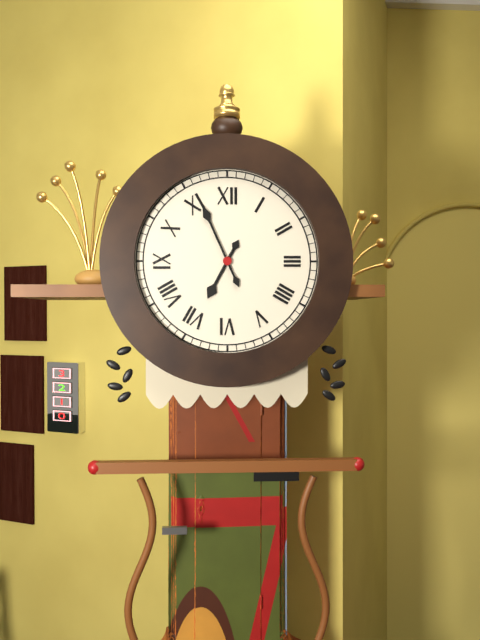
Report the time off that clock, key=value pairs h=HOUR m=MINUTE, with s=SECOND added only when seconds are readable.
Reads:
h=6 m=56
